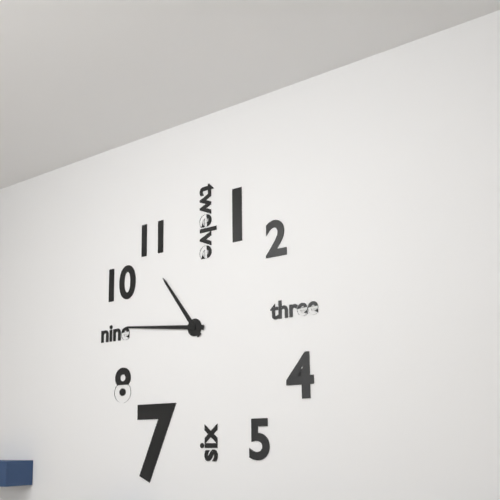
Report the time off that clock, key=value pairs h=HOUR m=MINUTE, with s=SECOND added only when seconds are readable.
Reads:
h=10 m=46
